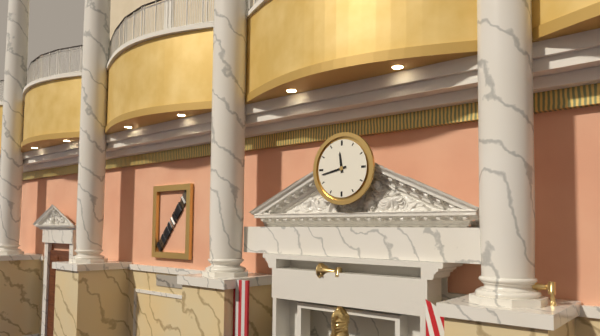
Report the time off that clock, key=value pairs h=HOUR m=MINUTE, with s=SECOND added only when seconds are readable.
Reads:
h=11 m=43
